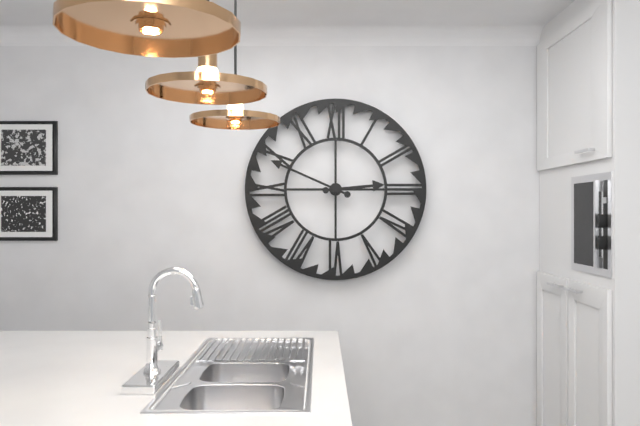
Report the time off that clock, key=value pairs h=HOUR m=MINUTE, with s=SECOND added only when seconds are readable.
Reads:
h=2 m=49
